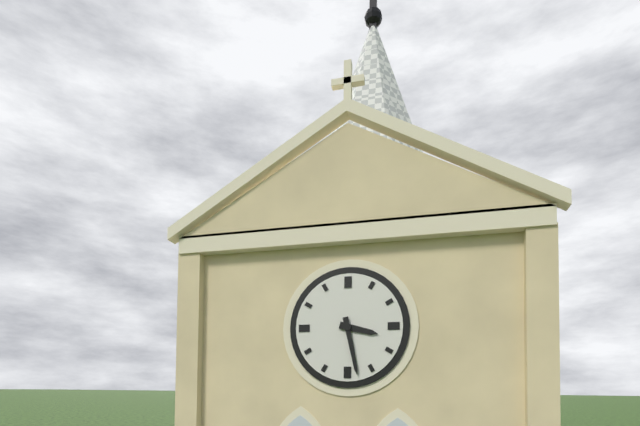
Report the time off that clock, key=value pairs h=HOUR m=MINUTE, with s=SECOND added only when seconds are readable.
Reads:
h=3 m=28
